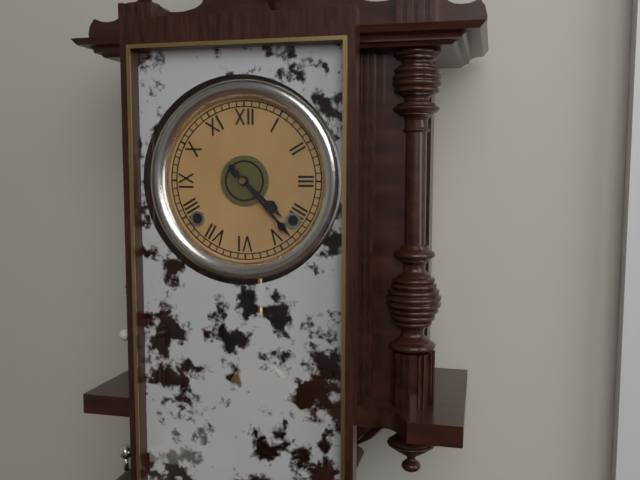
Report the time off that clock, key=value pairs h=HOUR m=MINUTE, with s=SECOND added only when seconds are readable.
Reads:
h=4 m=23
